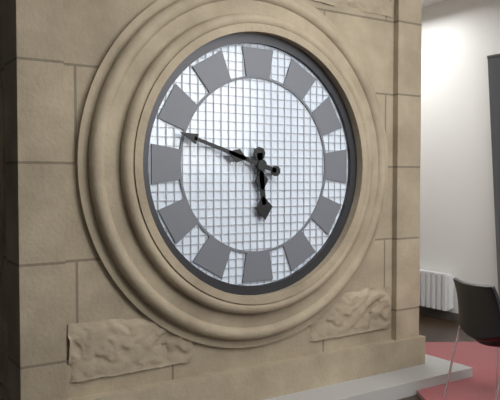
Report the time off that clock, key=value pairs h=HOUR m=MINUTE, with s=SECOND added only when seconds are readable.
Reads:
h=5 m=48
